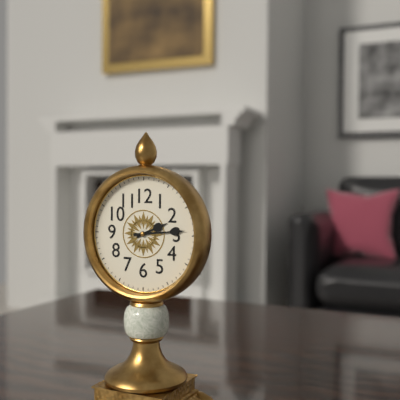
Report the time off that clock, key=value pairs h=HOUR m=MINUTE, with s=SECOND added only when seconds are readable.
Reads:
h=2 m=14
